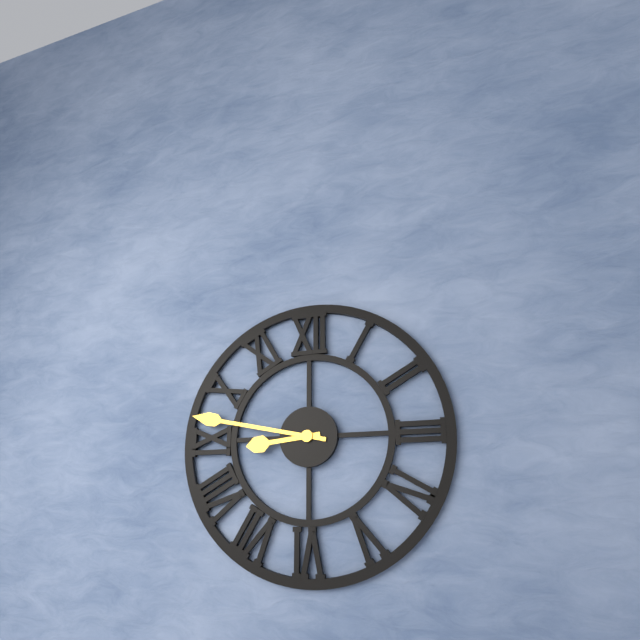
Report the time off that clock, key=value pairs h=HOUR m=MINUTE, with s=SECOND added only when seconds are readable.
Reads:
h=8 m=47
